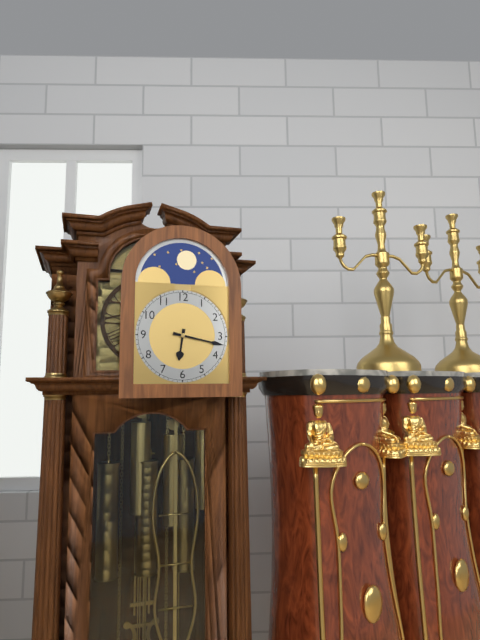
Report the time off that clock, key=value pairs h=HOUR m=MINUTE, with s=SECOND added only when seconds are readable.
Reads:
h=6 m=17
